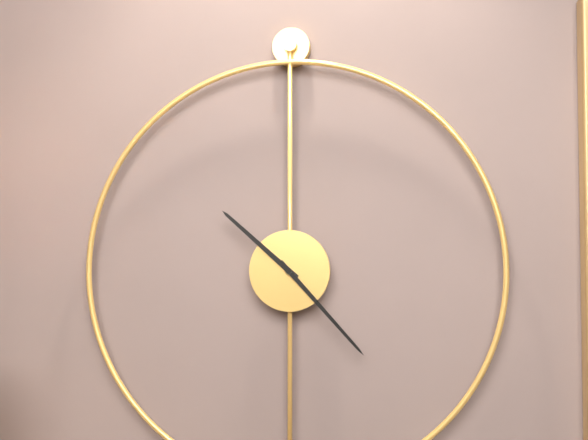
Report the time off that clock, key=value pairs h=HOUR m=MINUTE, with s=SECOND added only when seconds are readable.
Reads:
h=10 m=23
